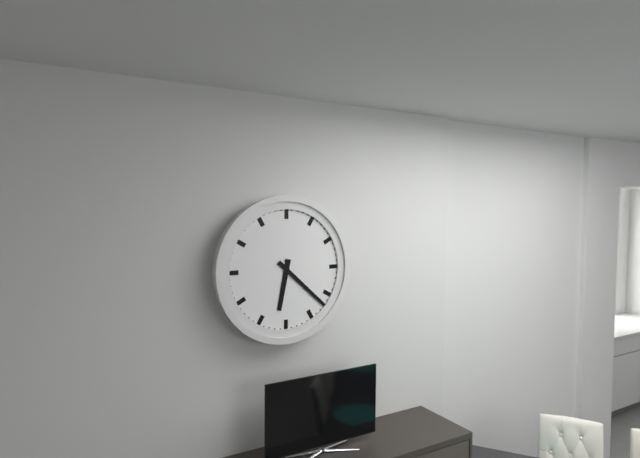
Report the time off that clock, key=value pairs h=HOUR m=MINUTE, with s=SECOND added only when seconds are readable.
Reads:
h=6 m=22
